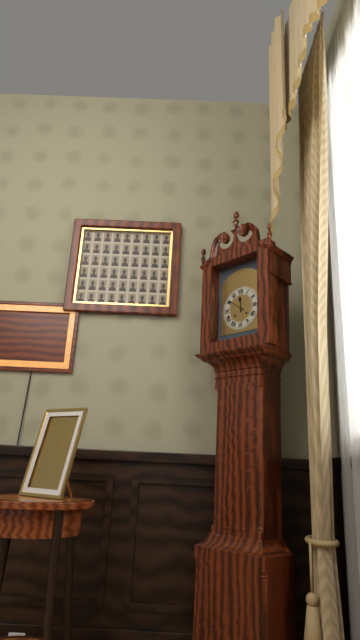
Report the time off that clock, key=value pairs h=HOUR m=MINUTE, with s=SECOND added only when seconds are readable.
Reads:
h=11 m=51
